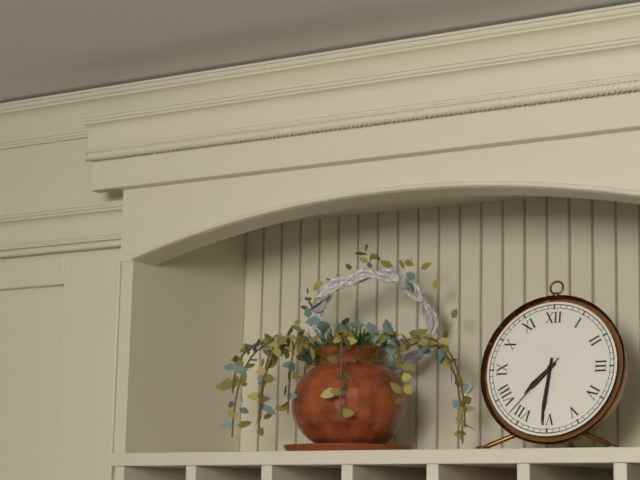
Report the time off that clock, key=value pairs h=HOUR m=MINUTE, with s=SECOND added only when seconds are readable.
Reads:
h=7 m=31 s=37
